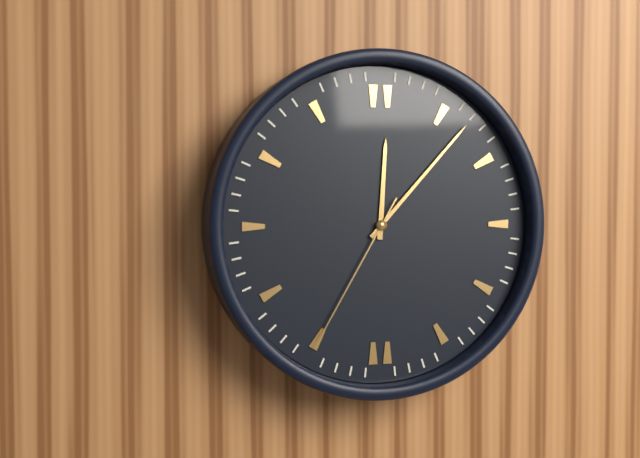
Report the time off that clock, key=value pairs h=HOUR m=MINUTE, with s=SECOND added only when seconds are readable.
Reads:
h=12 m=7 s=35
